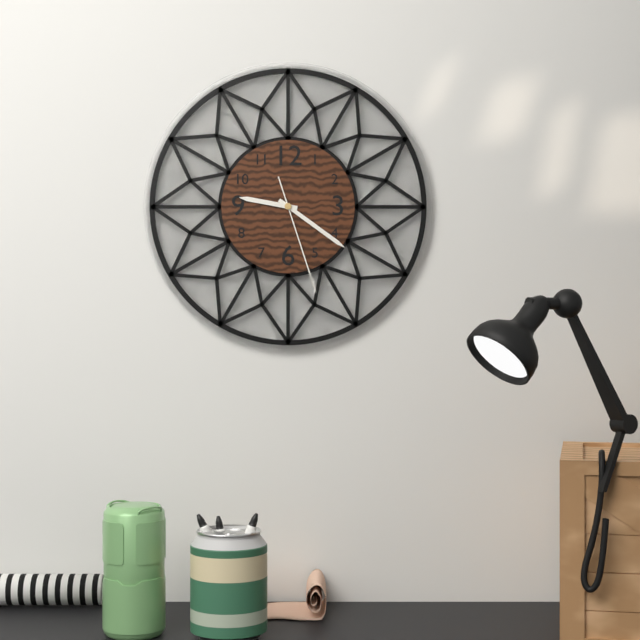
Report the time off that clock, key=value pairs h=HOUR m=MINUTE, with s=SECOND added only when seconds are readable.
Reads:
h=9 m=21 s=27
